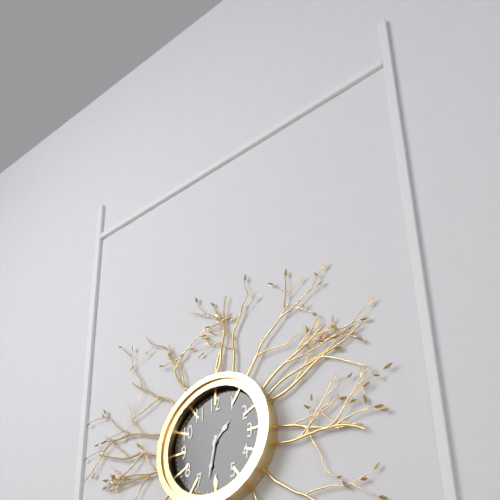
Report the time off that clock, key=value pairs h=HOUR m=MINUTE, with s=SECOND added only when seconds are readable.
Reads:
h=1 m=32
